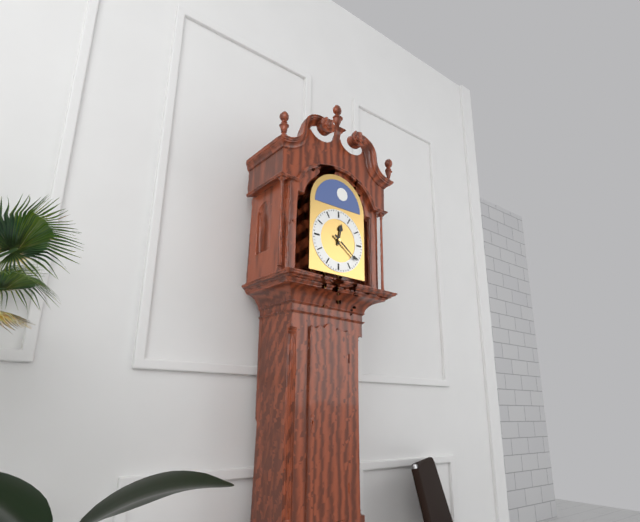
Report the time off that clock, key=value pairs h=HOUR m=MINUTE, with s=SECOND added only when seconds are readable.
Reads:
h=12 m=21
